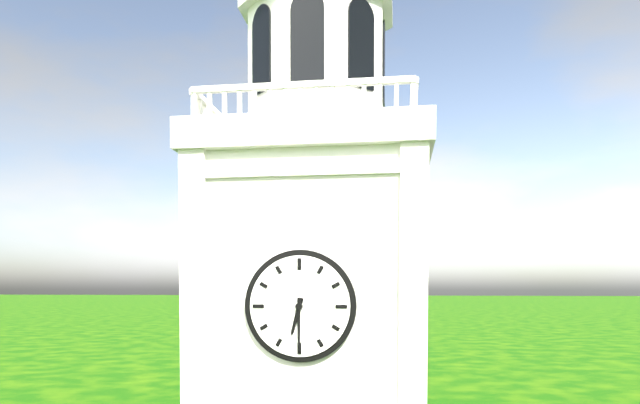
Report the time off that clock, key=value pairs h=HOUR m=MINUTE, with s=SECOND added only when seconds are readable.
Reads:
h=6 m=30
